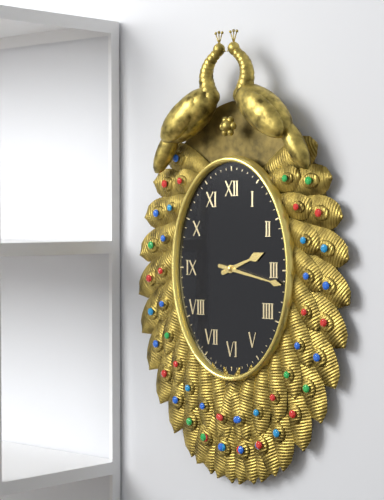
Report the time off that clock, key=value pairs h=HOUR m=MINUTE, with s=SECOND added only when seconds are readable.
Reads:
h=2 m=17
